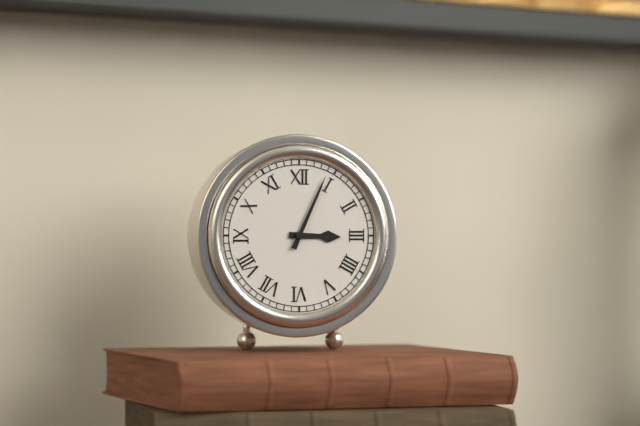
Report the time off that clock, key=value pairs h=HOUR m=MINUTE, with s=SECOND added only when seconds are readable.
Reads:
h=3 m=4
